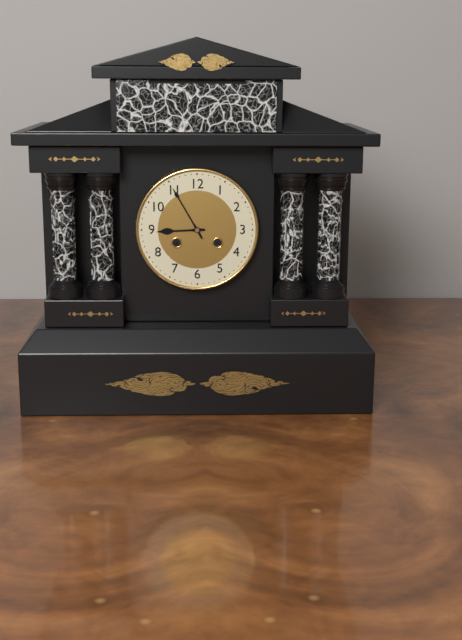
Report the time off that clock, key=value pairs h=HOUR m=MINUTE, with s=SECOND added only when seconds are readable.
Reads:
h=8 m=55
